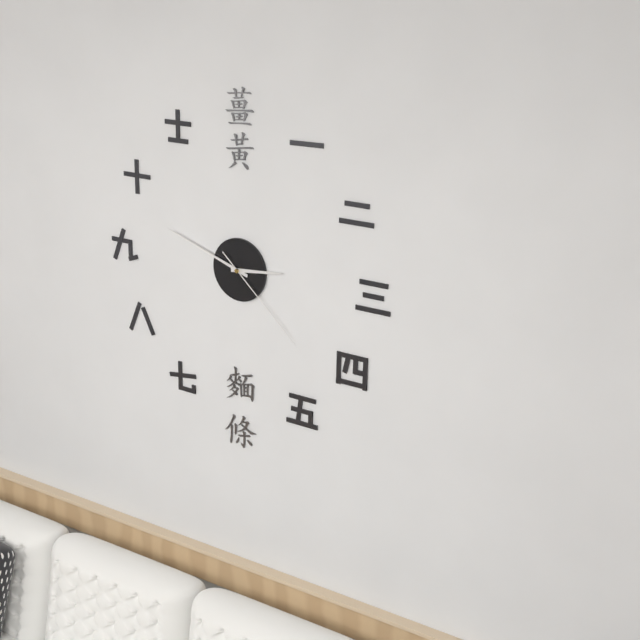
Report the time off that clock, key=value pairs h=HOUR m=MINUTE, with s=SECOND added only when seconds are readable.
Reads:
h=2 m=48 s=22
